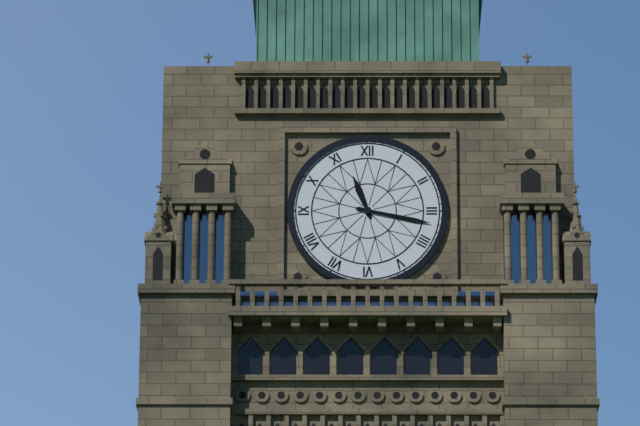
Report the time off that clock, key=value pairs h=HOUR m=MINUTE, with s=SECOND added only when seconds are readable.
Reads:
h=11 m=17
